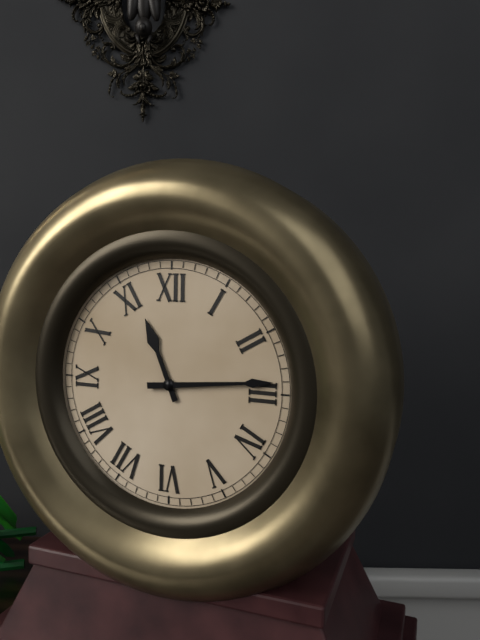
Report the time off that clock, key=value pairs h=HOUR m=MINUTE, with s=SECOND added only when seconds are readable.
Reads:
h=11 m=14
